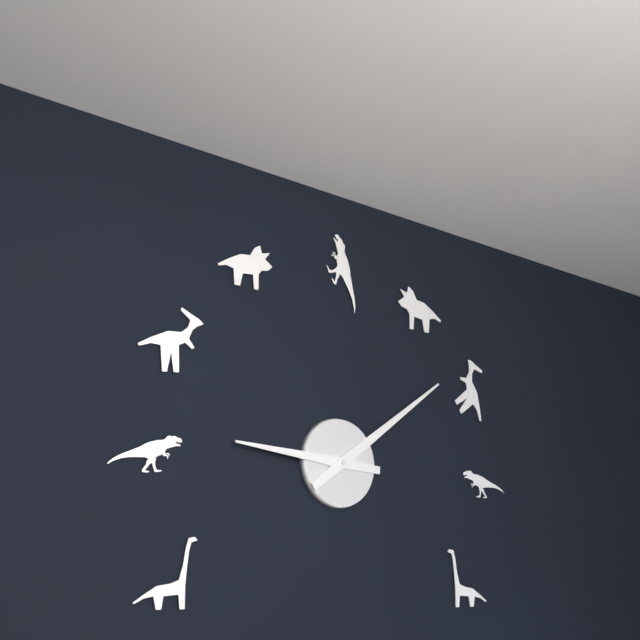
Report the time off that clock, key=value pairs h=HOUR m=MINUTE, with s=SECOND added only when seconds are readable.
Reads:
h=9 m=9
